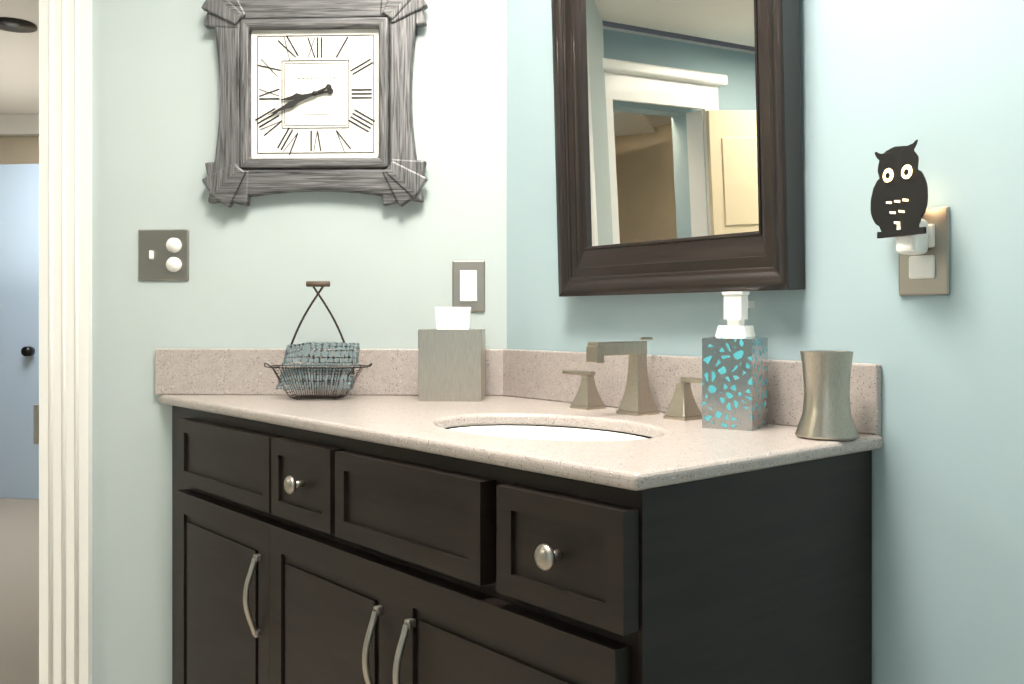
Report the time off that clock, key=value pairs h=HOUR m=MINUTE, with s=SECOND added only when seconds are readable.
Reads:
h=8 m=41
